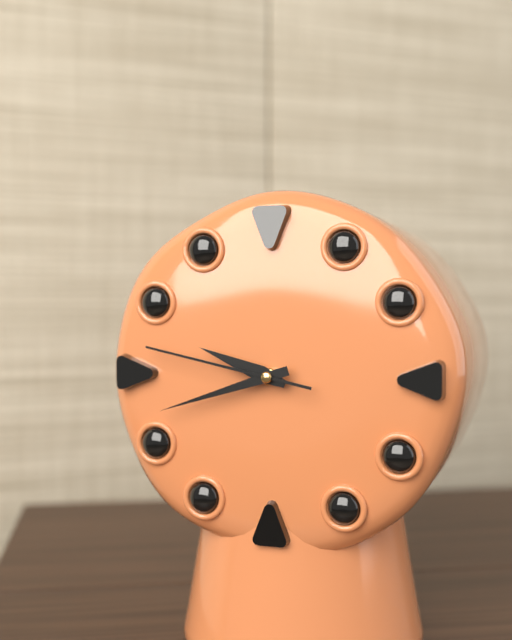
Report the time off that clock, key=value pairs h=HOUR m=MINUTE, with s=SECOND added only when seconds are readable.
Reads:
h=9 m=42 s=47
